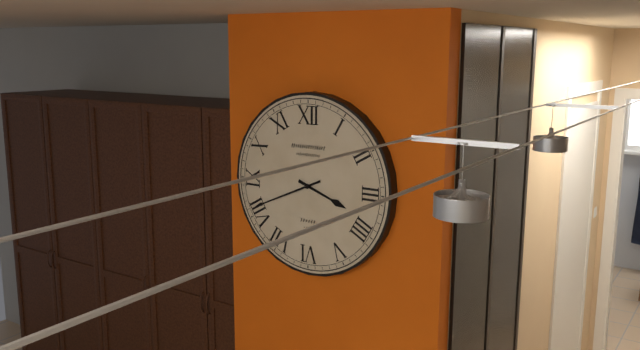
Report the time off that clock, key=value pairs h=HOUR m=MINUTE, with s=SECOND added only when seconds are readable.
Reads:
h=3 m=41
